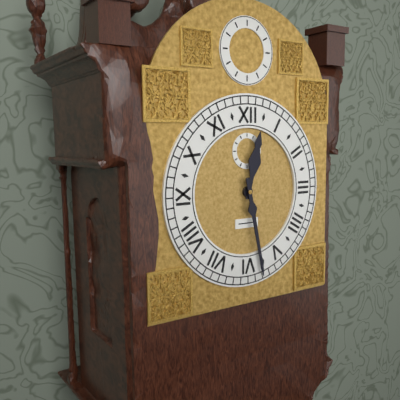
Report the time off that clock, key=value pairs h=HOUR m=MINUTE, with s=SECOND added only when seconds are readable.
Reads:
h=12 m=28
